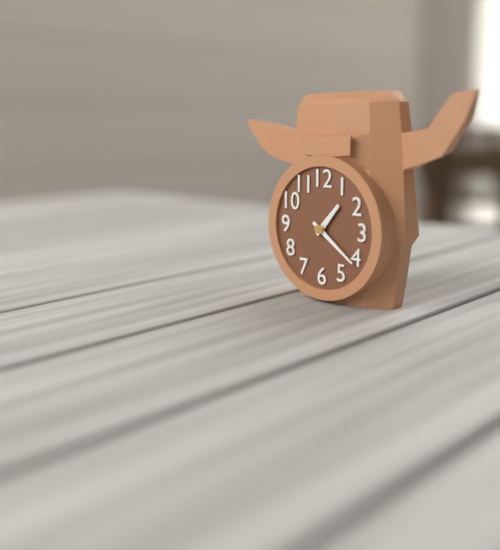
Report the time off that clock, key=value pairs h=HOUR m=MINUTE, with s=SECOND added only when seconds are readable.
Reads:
h=1 m=21
